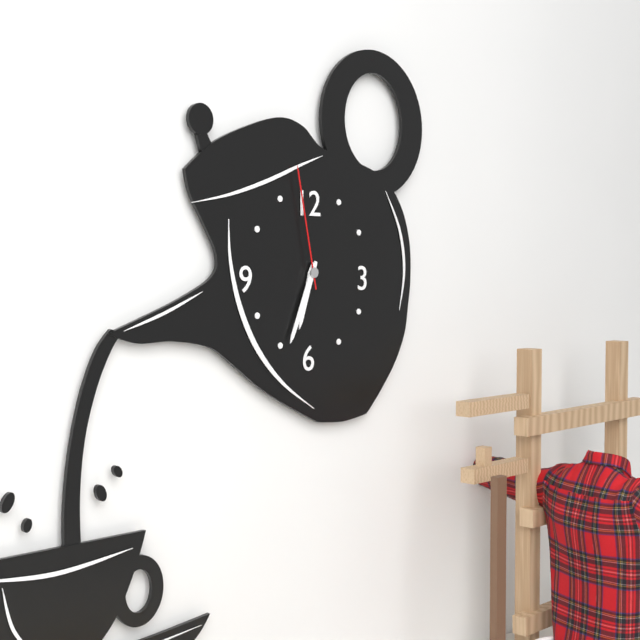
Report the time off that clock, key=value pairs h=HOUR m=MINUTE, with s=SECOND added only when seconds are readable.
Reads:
h=6 m=34 s=58
